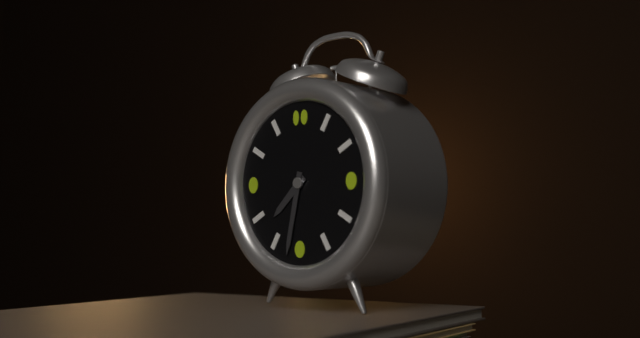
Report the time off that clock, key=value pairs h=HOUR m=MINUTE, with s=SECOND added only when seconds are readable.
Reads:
h=7 m=32
